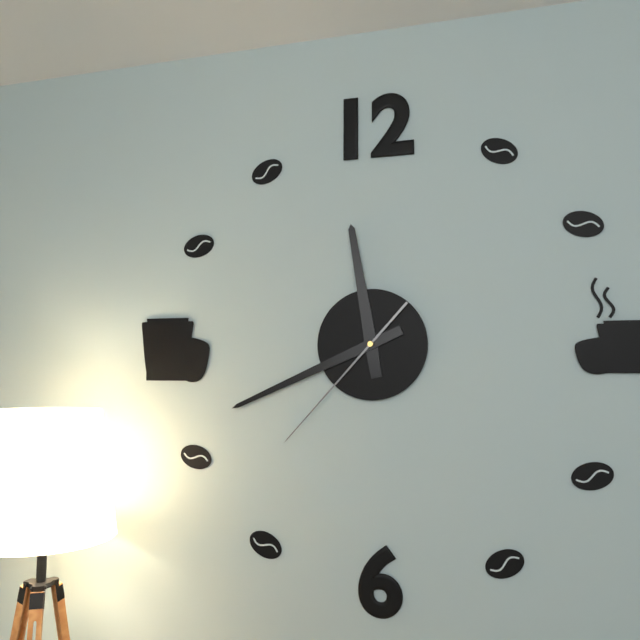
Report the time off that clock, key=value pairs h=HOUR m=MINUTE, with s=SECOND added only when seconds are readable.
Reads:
h=11 m=41 s=37
